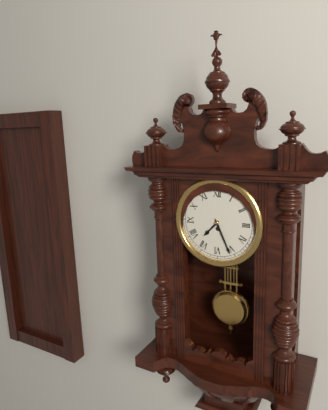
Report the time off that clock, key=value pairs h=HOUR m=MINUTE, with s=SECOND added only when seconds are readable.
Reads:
h=7 m=26
